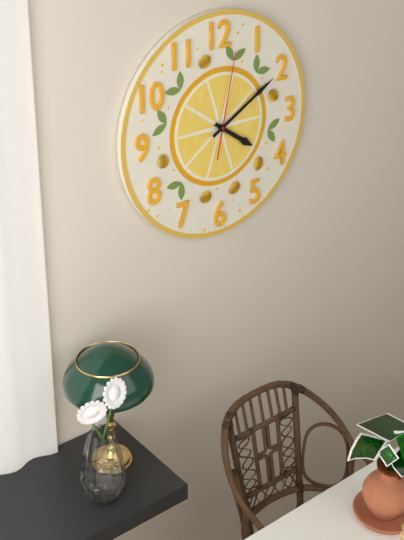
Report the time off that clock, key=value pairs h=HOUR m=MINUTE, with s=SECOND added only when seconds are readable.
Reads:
h=4 m=10 s=2
